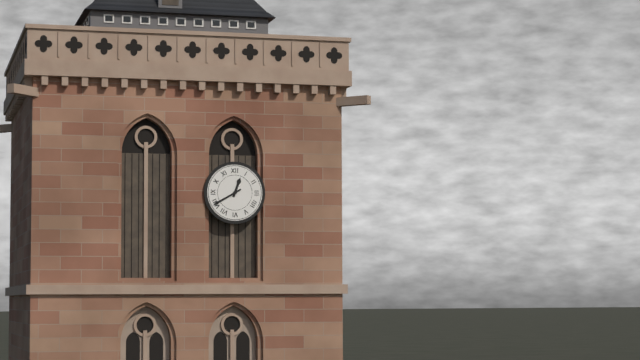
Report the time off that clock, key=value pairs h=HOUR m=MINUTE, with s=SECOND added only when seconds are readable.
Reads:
h=12 m=40
